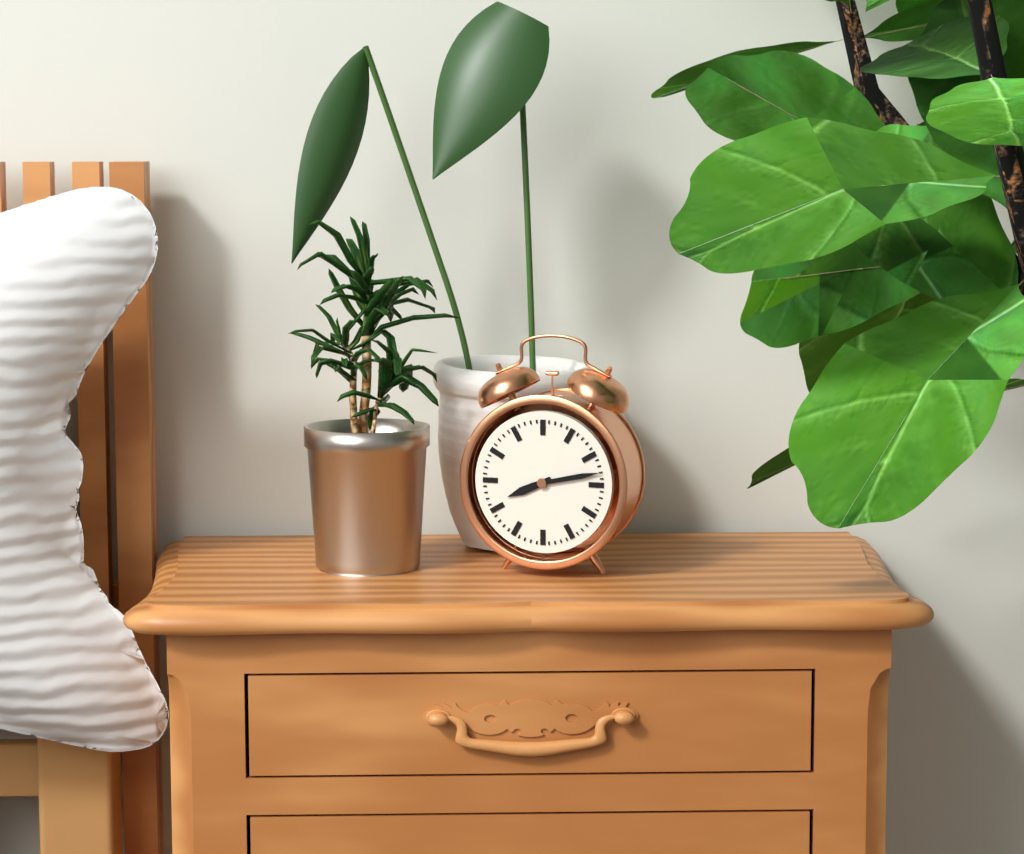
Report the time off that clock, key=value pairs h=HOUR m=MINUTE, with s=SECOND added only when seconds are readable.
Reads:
h=8 m=13
